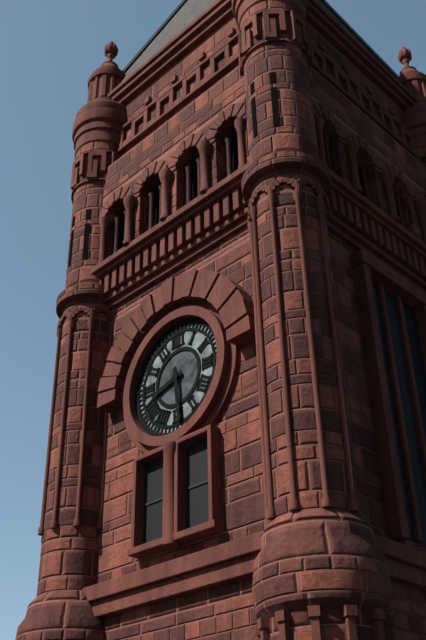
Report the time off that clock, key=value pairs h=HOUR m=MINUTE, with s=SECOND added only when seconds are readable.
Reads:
h=8 m=29
